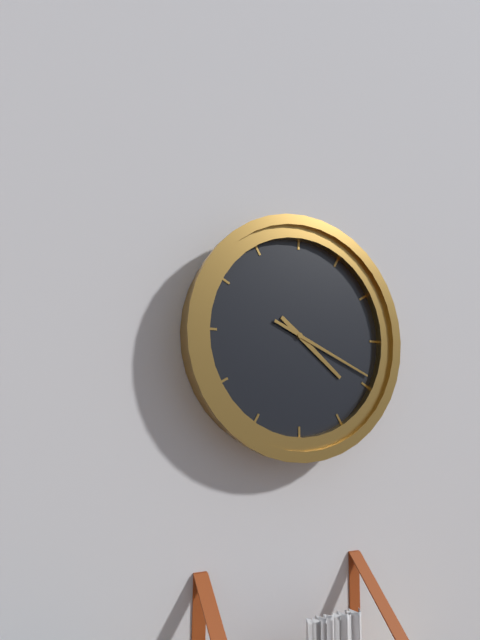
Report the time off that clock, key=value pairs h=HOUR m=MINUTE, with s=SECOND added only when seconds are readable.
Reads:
h=4 m=19
